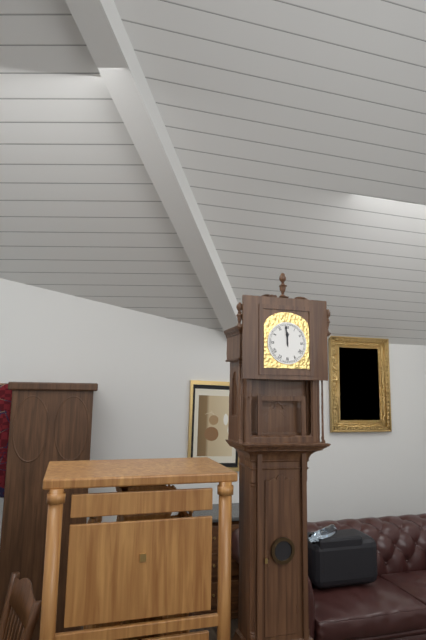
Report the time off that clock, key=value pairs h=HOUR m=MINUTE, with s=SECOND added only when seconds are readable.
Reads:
h=11 m=59
